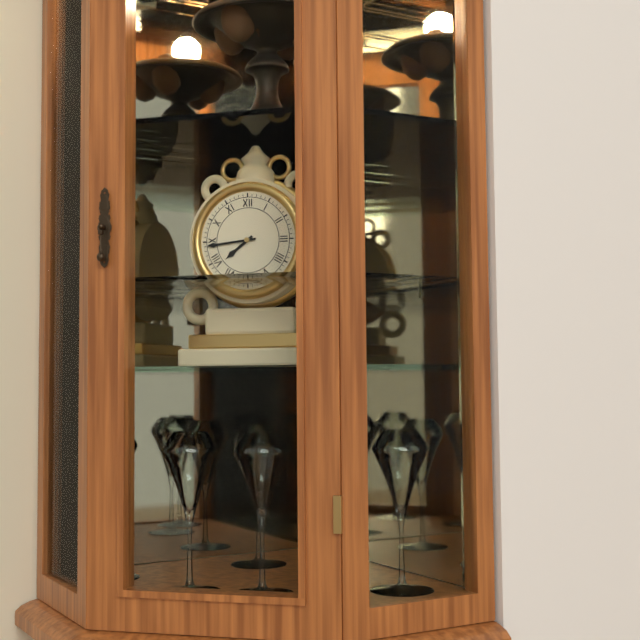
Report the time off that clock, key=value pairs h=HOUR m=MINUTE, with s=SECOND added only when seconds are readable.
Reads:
h=7 m=44
